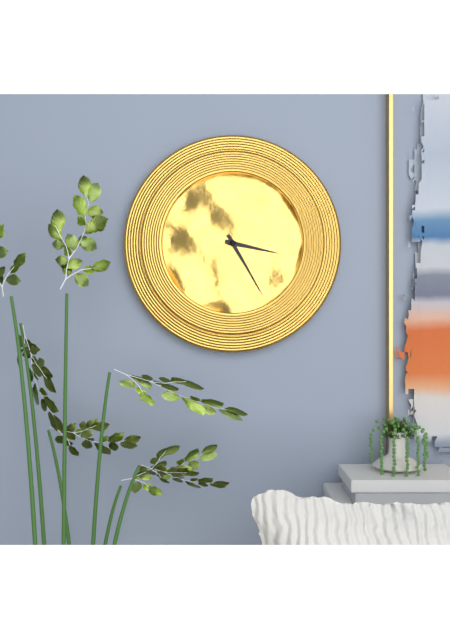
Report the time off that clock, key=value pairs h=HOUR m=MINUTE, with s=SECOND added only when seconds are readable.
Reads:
h=3 m=25
